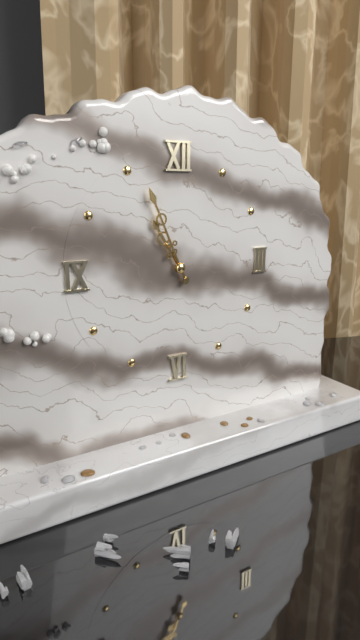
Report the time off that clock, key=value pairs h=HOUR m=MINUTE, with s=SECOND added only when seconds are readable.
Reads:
h=10 m=56
